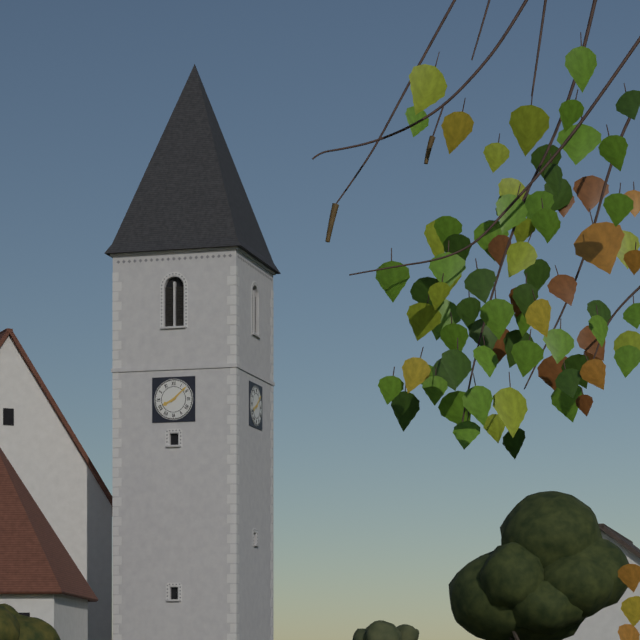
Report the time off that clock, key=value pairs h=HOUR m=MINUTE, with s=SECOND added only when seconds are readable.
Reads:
h=8 m=8
